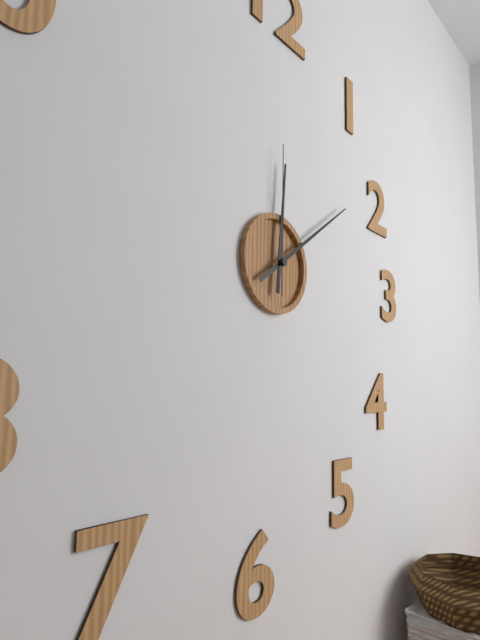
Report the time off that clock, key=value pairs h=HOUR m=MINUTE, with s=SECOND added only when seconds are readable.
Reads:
h=12 m=9 s=0
